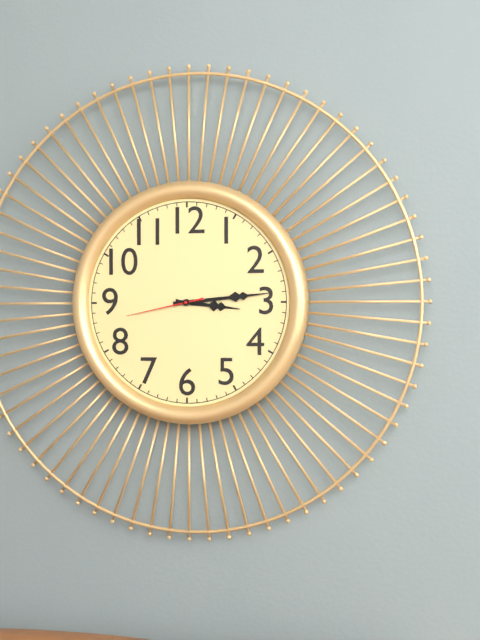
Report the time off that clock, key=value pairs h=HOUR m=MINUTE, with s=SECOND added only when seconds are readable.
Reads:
h=3 m=14 s=43
